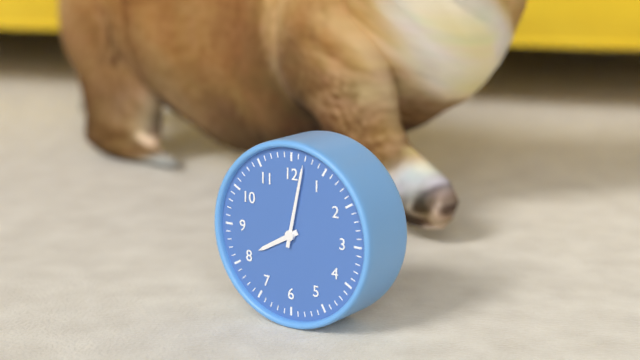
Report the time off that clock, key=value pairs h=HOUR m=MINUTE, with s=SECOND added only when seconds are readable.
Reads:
h=8 m=2
